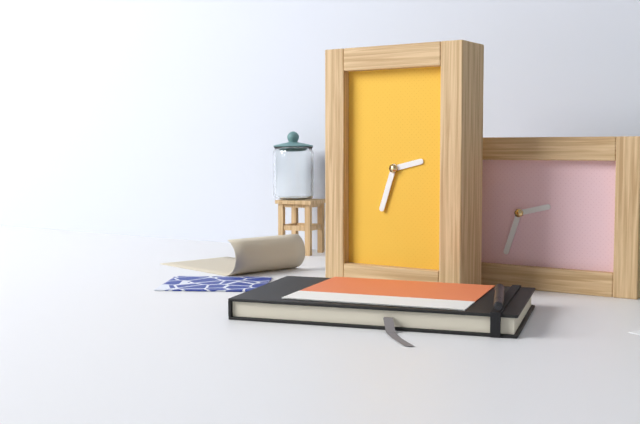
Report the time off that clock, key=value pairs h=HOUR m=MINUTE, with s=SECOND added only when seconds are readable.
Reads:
h=2 m=33
